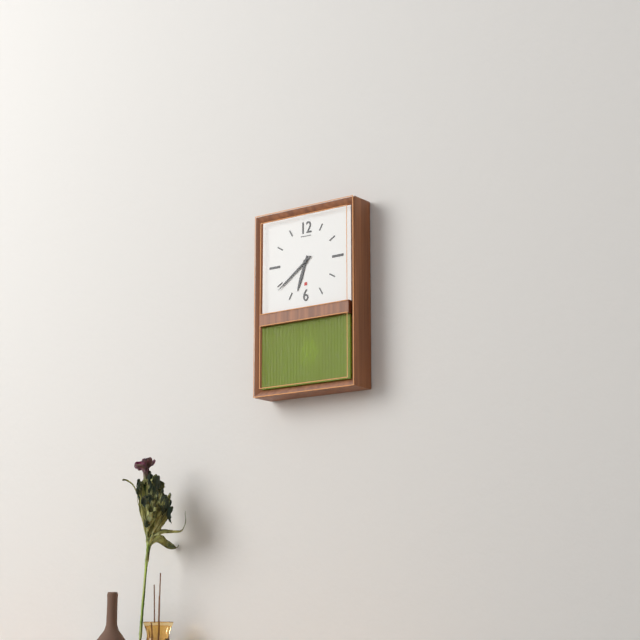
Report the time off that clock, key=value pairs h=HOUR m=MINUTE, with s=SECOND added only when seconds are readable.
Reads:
h=6 m=39
